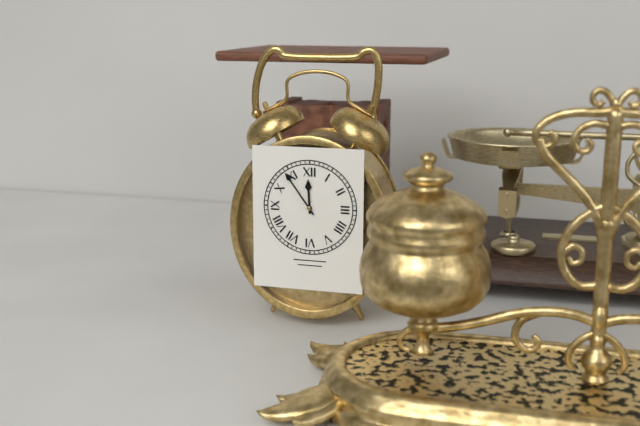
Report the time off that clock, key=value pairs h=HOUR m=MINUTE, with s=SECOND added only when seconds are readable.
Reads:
h=11 m=54
